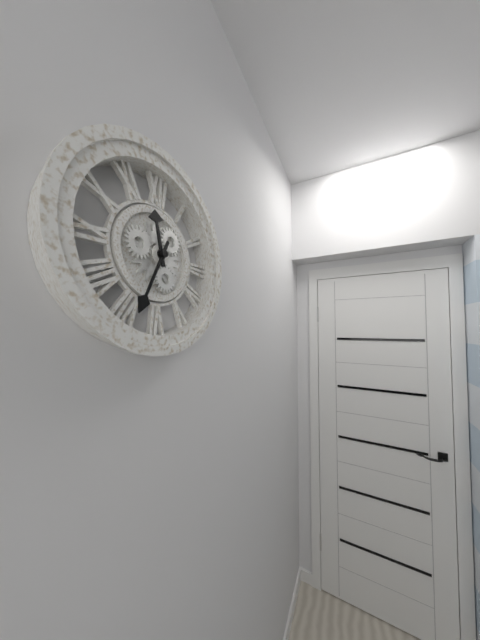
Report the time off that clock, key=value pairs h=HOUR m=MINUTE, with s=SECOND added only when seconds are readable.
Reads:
h=11 m=34
